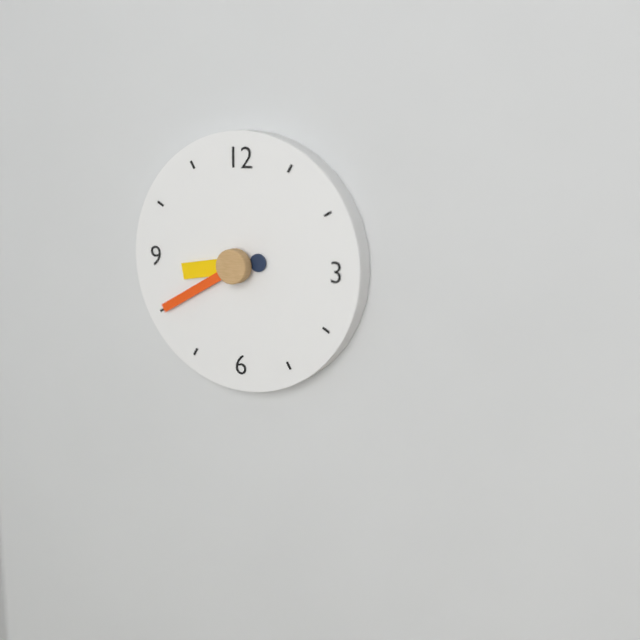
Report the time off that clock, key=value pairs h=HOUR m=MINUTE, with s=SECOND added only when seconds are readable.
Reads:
h=8 m=40
